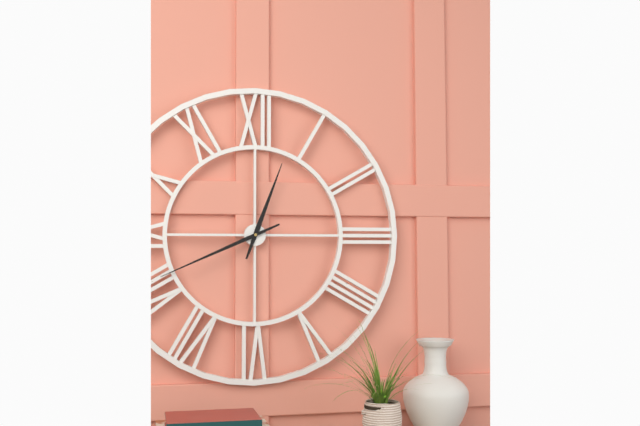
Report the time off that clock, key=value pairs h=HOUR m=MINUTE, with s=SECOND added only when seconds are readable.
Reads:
h=12 m=41
